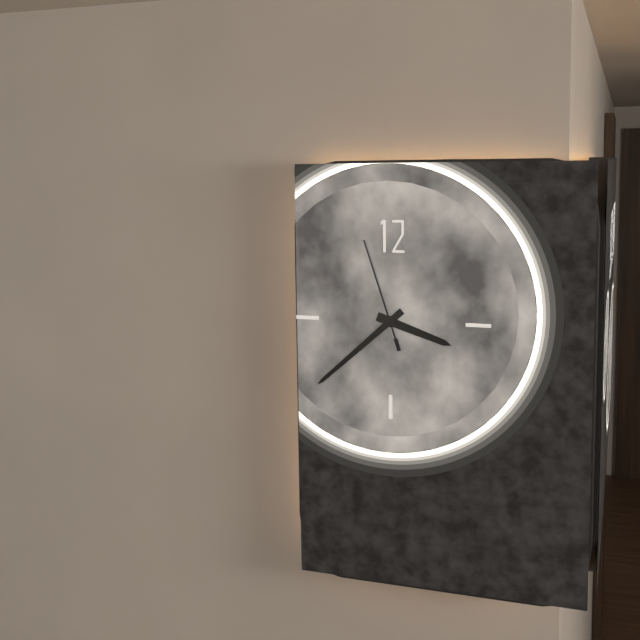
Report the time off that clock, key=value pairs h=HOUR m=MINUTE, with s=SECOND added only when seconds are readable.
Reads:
h=3 m=38 s=57
